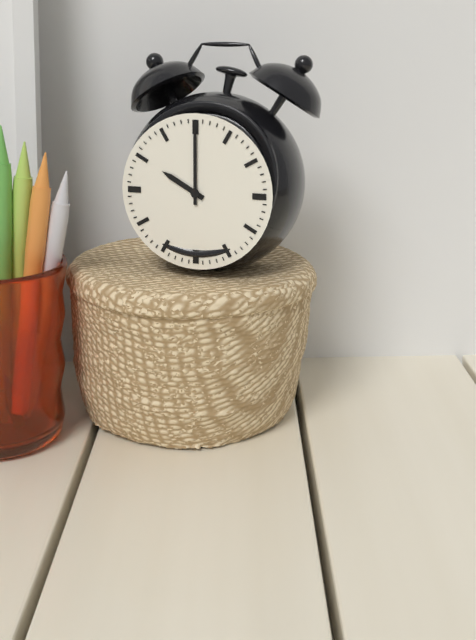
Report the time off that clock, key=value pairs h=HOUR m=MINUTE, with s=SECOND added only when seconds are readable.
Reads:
h=10 m=0
